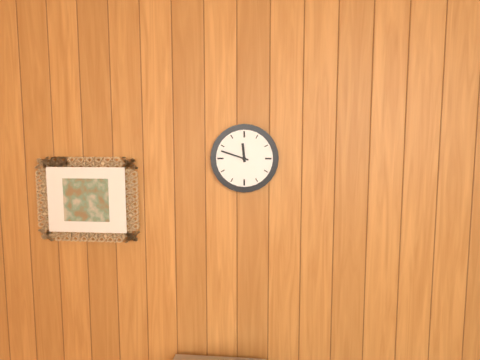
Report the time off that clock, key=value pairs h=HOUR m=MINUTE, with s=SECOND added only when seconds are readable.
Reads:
h=11 m=48
